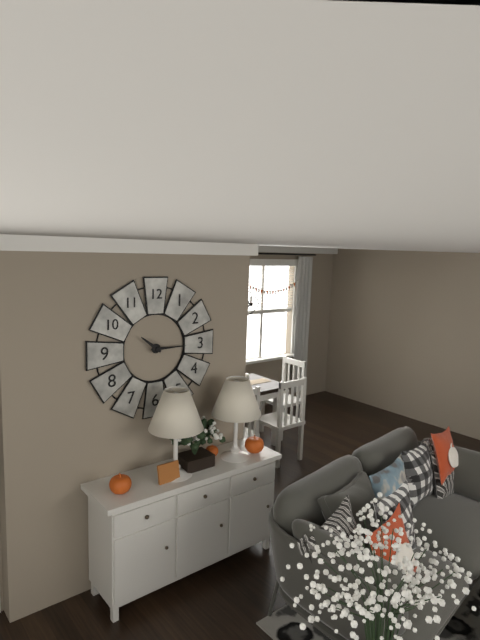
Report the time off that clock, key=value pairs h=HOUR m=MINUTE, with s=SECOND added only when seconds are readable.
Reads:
h=10 m=15
